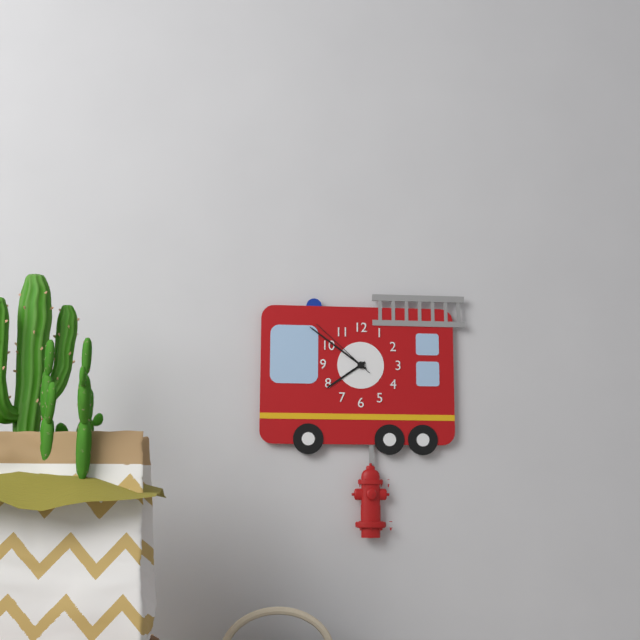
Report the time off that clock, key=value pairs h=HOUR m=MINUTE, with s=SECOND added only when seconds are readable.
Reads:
h=7 m=51 s=52
